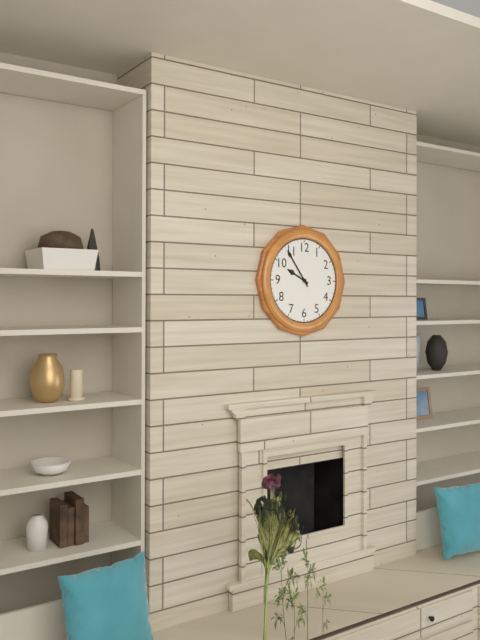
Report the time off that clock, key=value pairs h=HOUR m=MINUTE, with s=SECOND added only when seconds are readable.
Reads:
h=9 m=54
